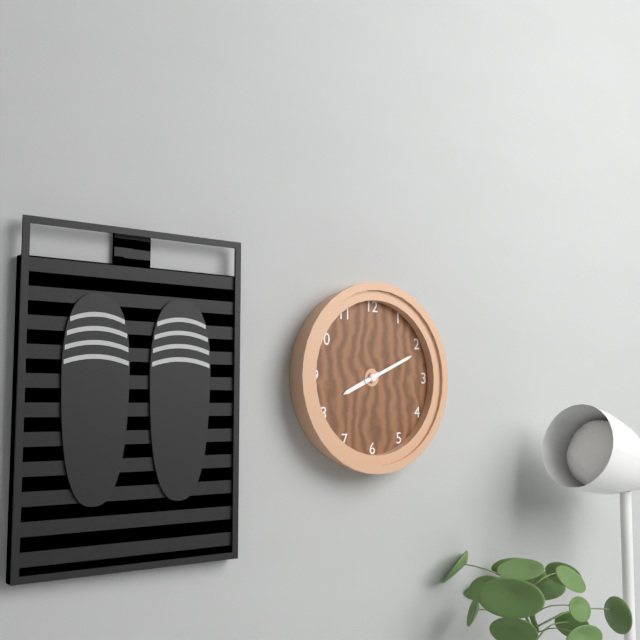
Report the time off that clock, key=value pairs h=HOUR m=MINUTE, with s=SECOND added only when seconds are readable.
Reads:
h=8 m=11
